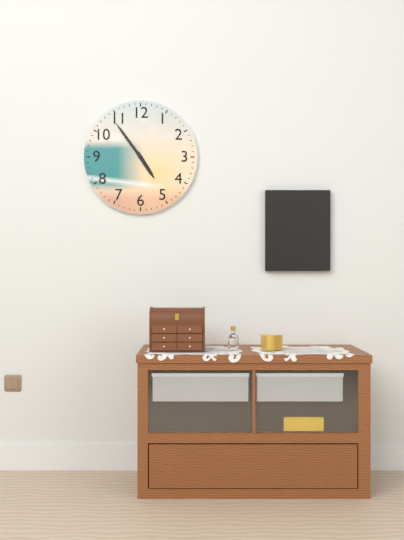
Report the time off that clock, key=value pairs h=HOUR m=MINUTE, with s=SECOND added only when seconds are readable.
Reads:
h=4 m=54
